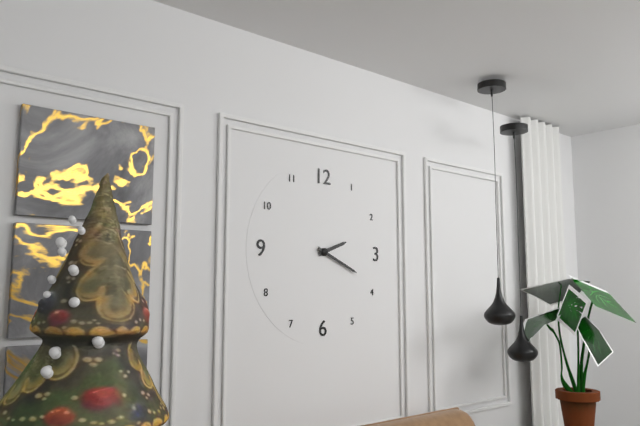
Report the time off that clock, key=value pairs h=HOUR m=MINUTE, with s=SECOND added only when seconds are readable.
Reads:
h=2 m=19
